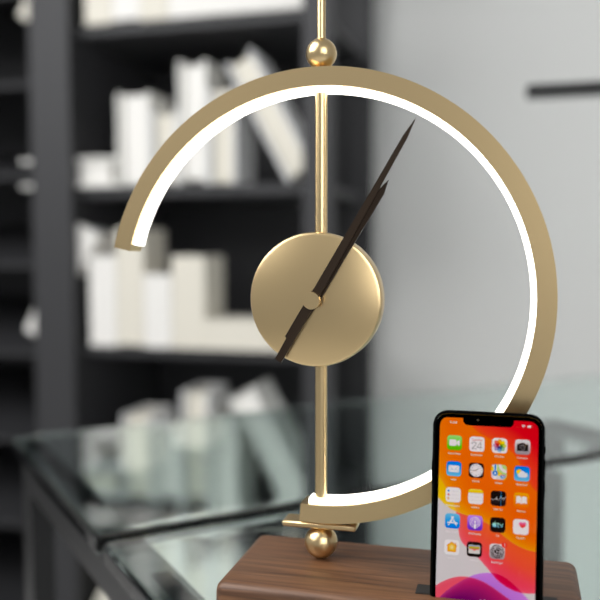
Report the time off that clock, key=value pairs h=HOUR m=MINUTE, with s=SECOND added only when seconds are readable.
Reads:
h=1 m=5
